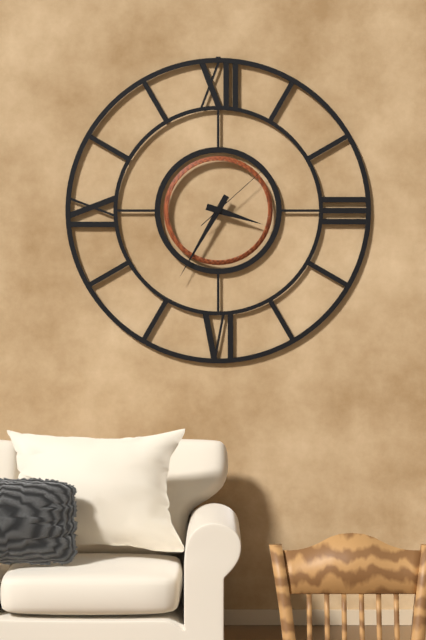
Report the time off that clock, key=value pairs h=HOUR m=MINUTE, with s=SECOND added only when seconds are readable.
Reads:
h=3 m=35 s=8
